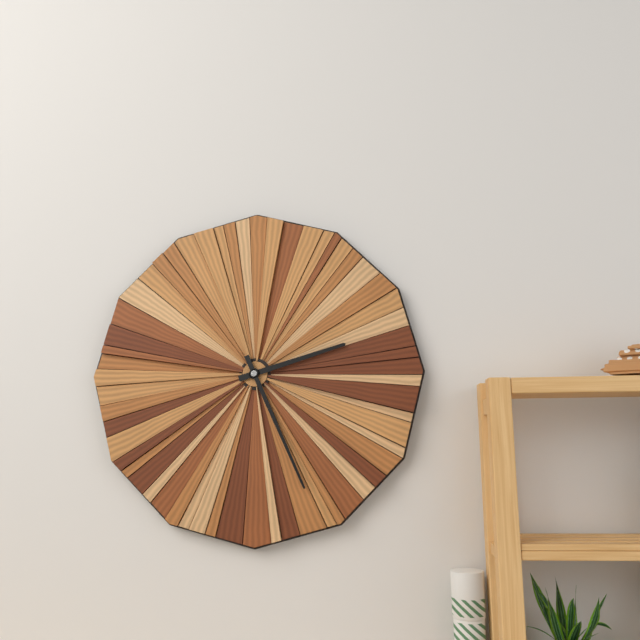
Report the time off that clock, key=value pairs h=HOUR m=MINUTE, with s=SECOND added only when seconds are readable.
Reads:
h=2 m=26
